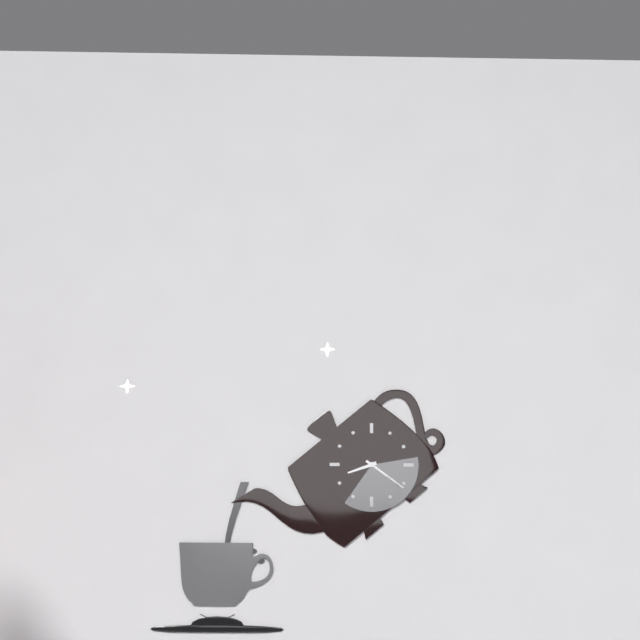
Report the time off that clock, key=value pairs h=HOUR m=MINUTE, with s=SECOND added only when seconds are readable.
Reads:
h=8 m=21
